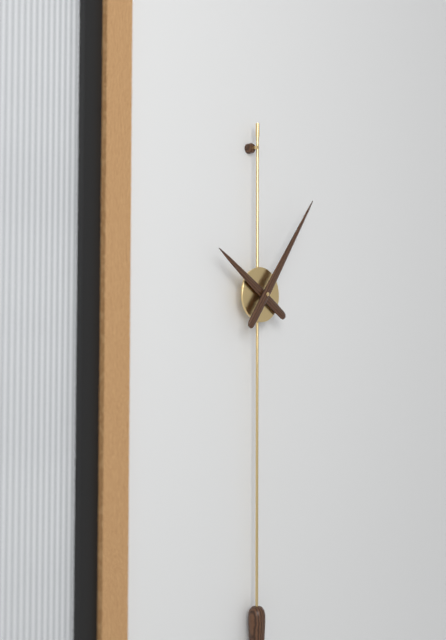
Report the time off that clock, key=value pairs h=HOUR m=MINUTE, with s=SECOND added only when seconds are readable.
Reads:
h=10 m=6
